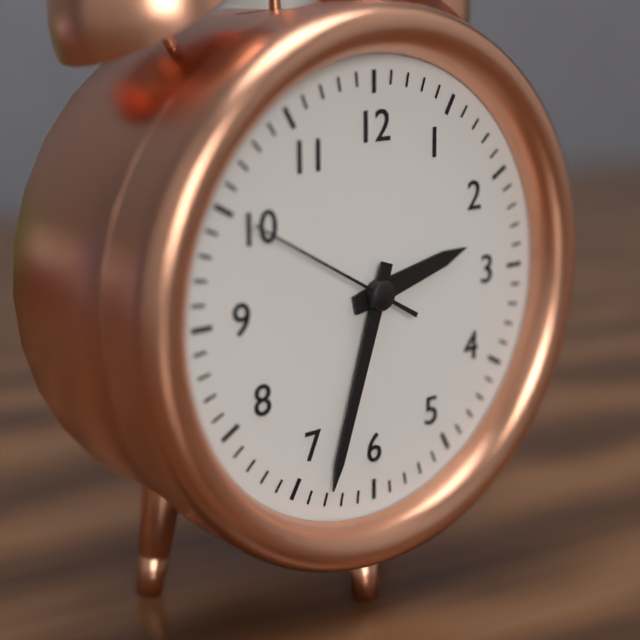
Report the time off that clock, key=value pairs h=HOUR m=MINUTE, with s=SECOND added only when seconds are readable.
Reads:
h=2 m=33 s=50
